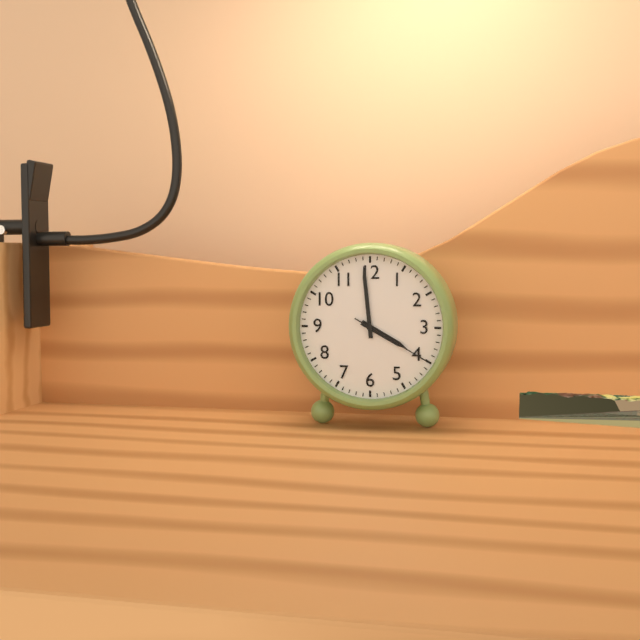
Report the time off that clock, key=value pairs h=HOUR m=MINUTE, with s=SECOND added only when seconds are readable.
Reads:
h=3 m=59 s=20
